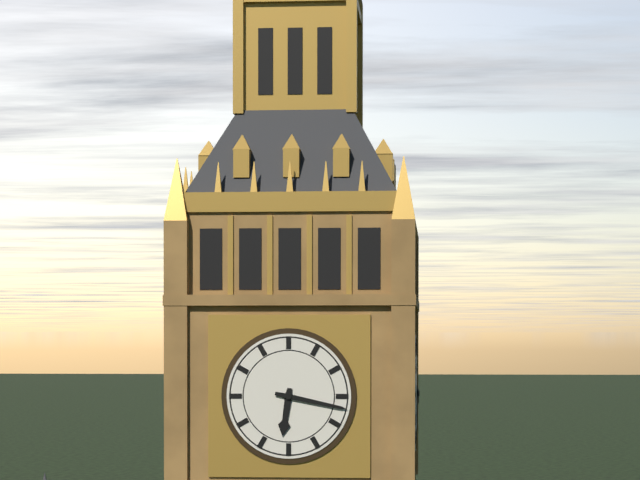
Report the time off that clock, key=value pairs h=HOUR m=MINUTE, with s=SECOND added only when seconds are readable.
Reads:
h=6 m=17
